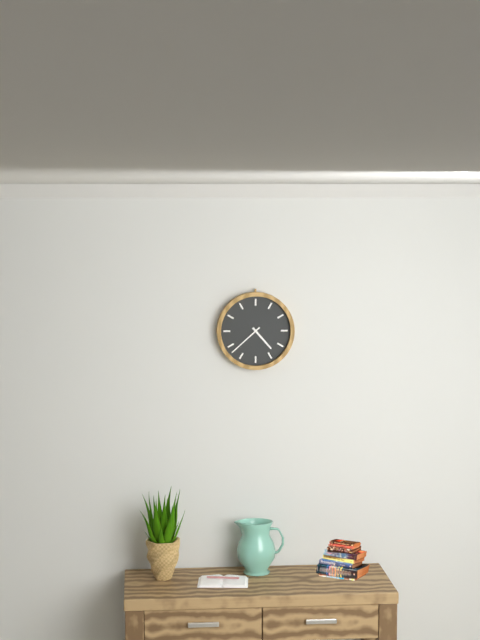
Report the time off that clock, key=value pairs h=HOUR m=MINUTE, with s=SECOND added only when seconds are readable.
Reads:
h=4 m=38
